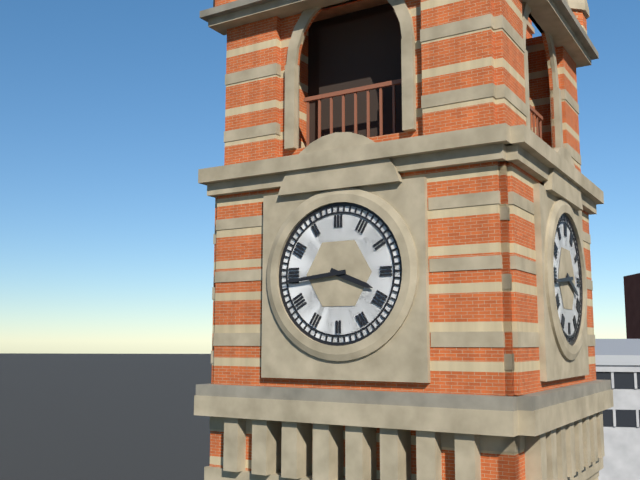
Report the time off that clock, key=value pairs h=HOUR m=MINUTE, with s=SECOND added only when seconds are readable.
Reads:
h=3 m=44
